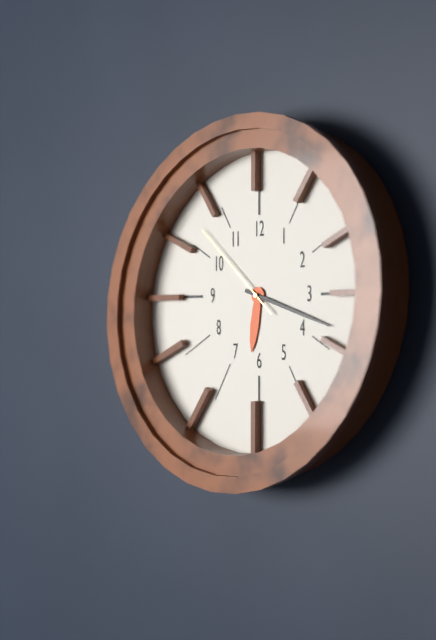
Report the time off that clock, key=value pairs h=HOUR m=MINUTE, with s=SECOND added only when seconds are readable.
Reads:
h=6 m=18 s=52
